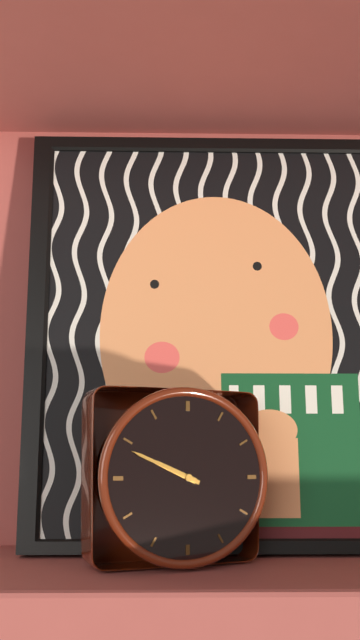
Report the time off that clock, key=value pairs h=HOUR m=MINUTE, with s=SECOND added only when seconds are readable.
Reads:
h=9 m=49
